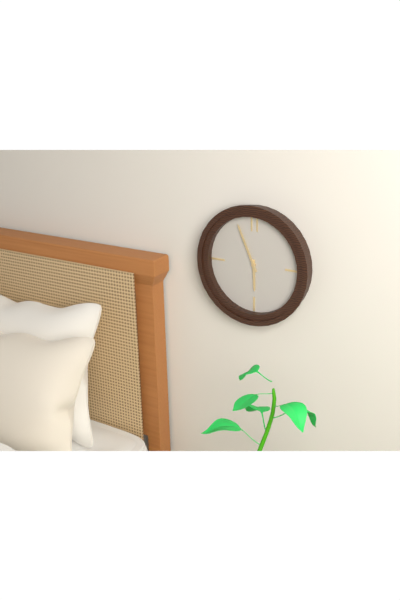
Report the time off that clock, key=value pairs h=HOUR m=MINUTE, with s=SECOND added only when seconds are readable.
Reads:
h=5 m=56
